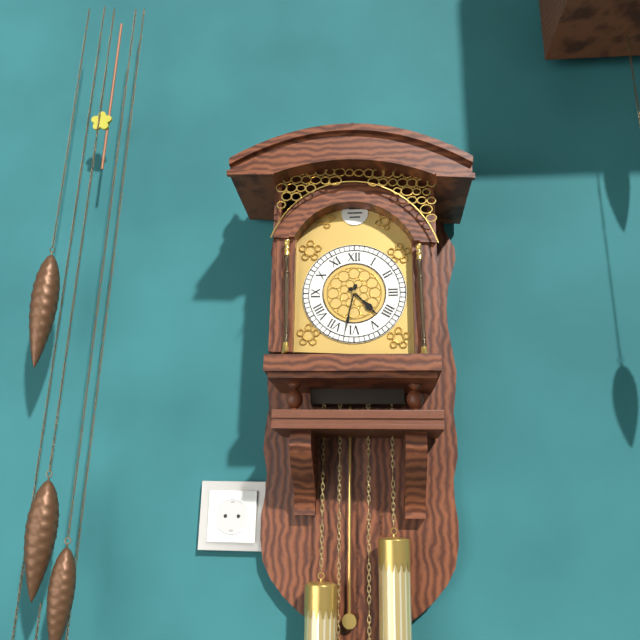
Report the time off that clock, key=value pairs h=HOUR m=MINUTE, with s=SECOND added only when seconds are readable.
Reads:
h=4 m=32
